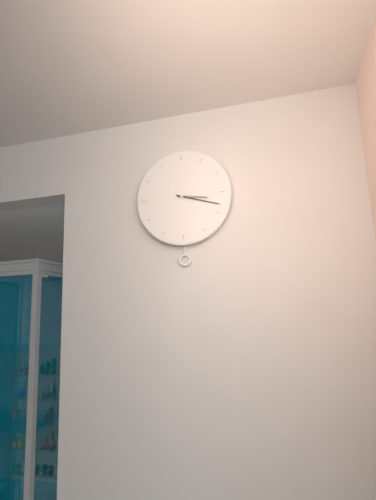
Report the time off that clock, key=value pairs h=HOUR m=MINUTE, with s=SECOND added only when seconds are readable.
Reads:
h=3 m=18
